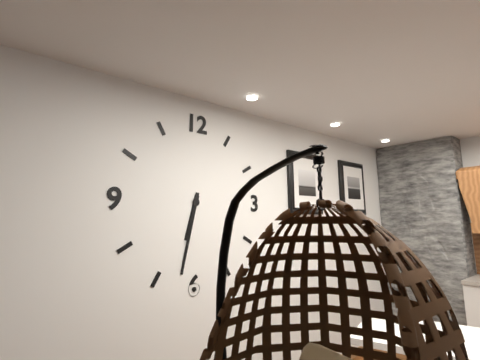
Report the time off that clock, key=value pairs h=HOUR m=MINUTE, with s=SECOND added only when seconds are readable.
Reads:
h=6 m=32
